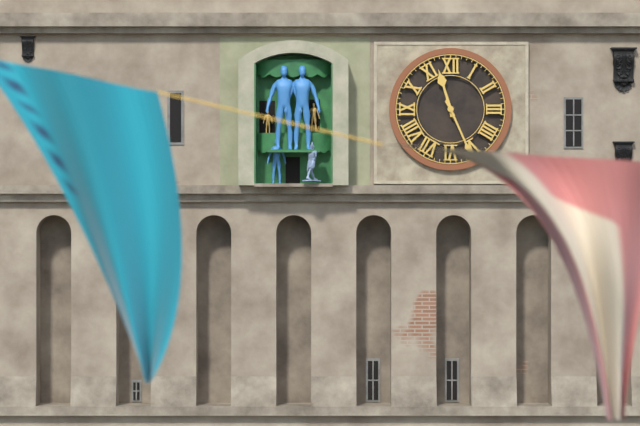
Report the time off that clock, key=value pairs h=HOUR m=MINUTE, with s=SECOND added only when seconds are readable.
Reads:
h=11 m=26
